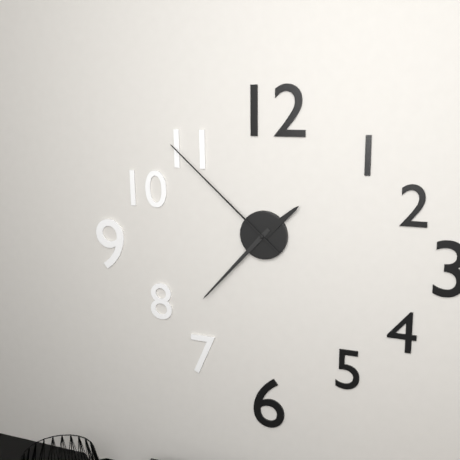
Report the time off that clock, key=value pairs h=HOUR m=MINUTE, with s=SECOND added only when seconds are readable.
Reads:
h=1 m=37 s=52
